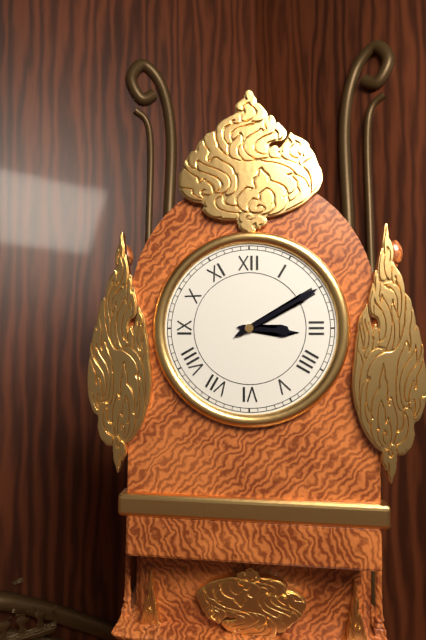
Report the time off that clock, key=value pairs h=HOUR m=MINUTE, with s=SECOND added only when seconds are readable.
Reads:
h=3 m=10
